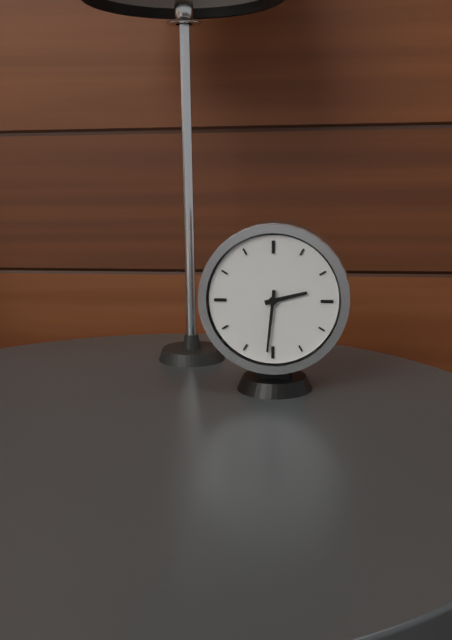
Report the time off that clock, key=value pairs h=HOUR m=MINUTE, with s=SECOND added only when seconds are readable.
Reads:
h=2 m=31
